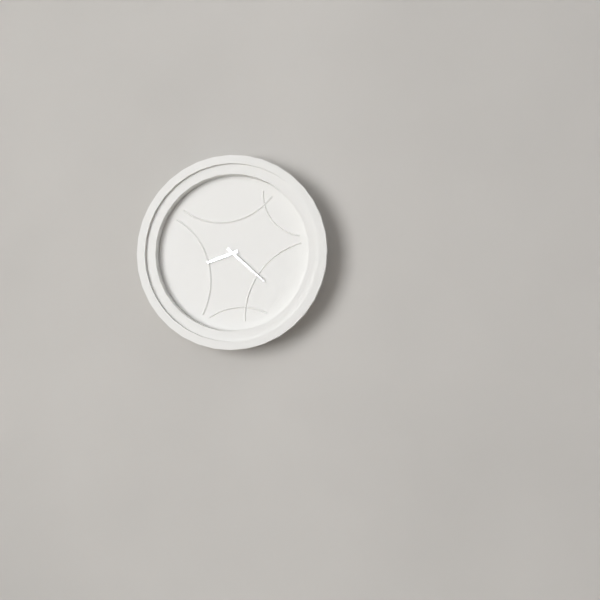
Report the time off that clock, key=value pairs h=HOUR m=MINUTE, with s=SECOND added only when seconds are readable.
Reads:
h=8 m=22
